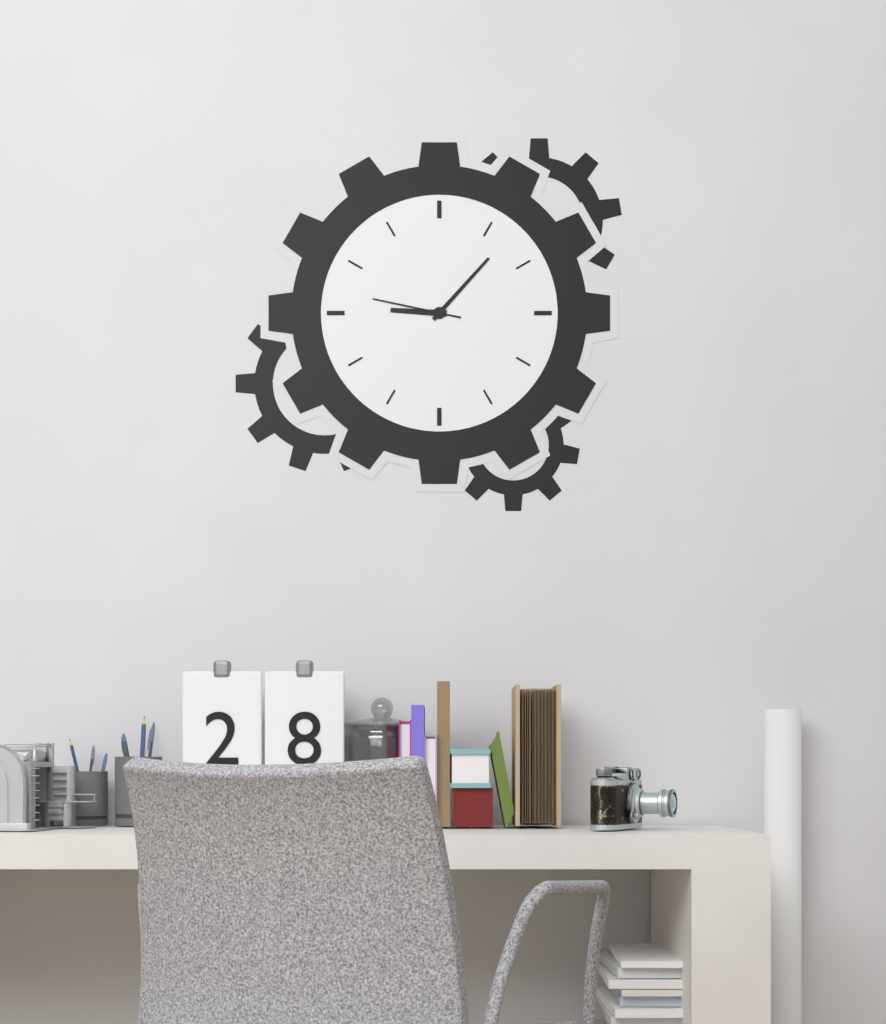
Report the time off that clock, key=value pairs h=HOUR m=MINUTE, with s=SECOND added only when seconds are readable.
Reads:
h=9 m=7 s=47
